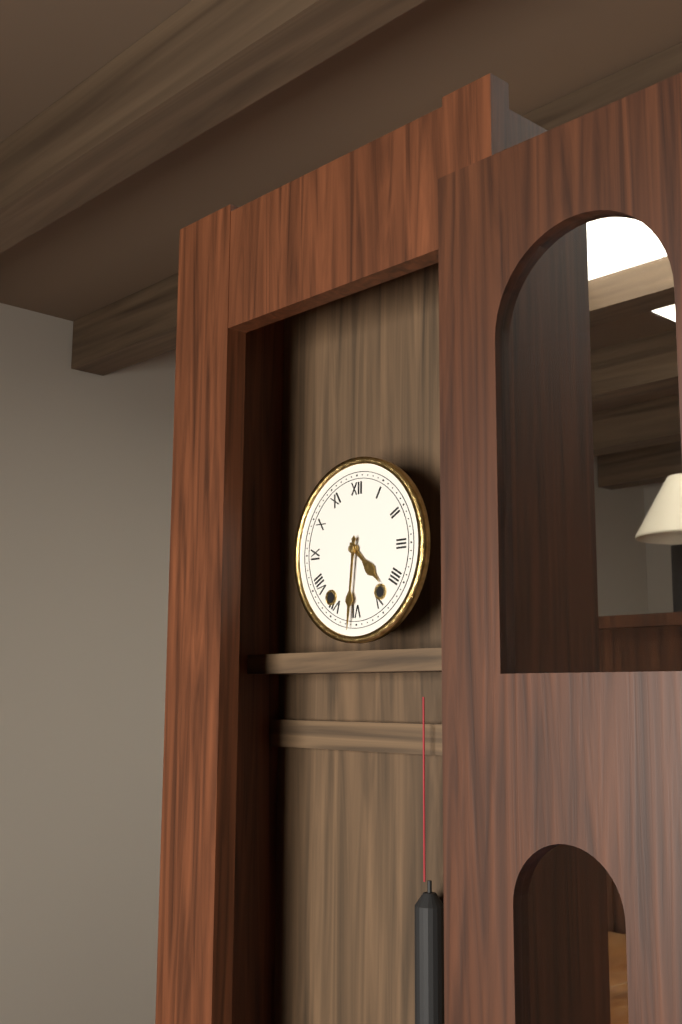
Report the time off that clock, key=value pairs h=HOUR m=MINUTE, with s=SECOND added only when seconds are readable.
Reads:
h=4 m=31
